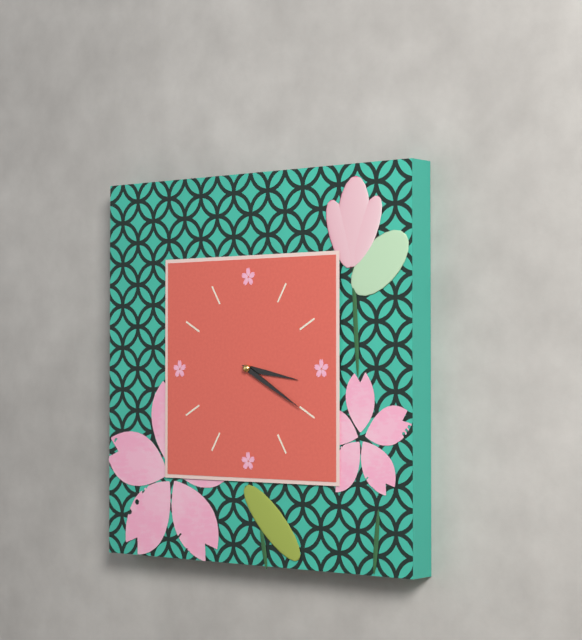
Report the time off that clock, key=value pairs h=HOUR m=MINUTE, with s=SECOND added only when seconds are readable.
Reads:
h=3 m=20
